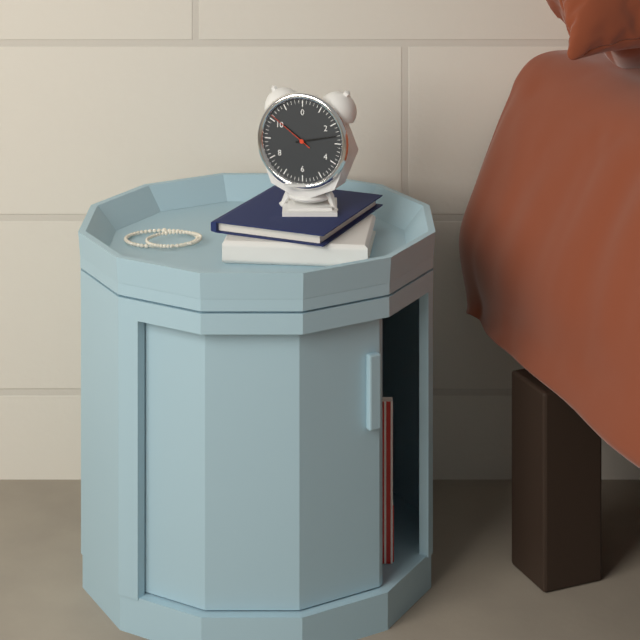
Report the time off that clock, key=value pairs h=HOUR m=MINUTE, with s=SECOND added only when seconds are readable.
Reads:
h=10 m=13 s=51
